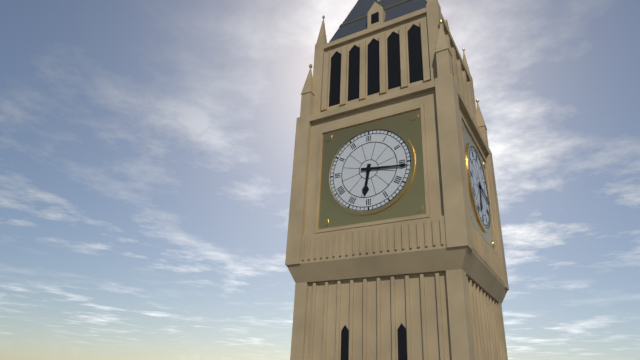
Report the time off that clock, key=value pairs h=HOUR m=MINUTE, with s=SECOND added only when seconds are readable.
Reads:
h=6 m=16
